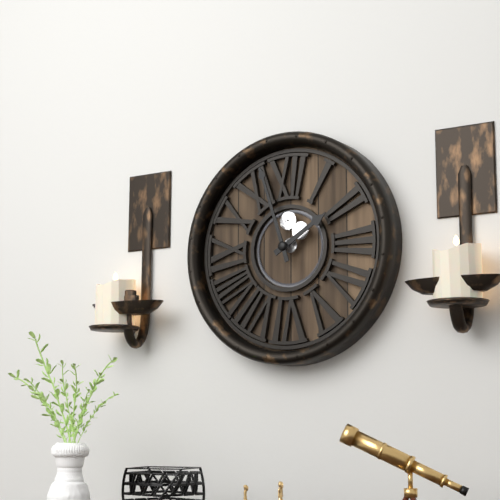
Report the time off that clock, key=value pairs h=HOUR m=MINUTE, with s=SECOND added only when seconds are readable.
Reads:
h=1 m=57
